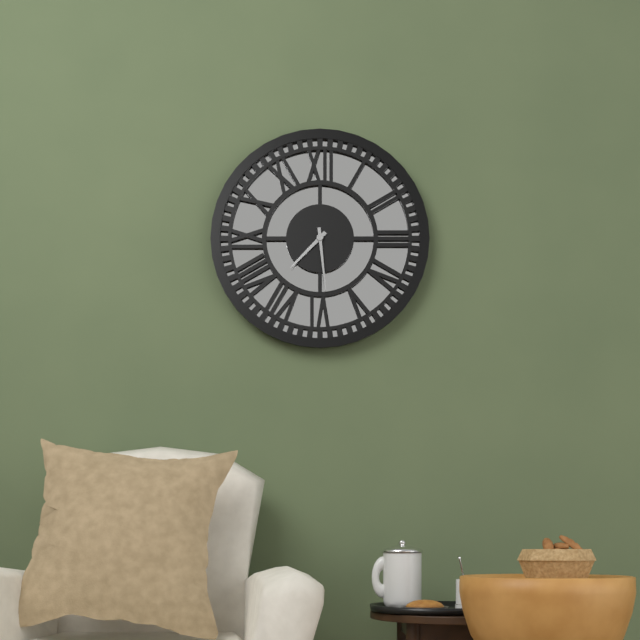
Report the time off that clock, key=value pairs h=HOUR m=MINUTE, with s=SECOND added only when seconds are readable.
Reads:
h=7 m=29
